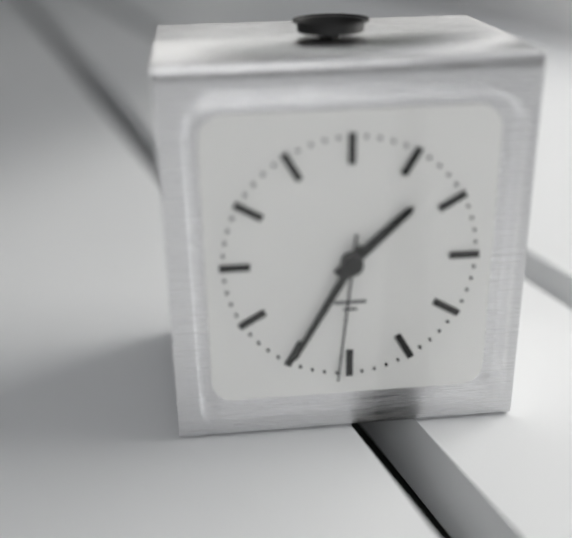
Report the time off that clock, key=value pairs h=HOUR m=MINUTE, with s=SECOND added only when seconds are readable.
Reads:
h=1 m=35 s=31
